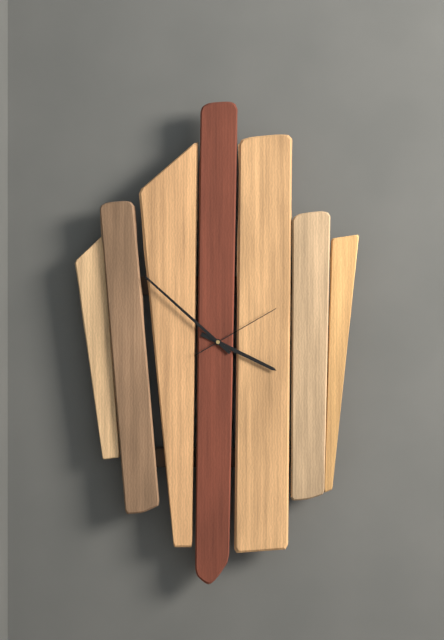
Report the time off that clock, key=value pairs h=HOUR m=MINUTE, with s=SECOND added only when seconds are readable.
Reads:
h=3 m=52 s=10
